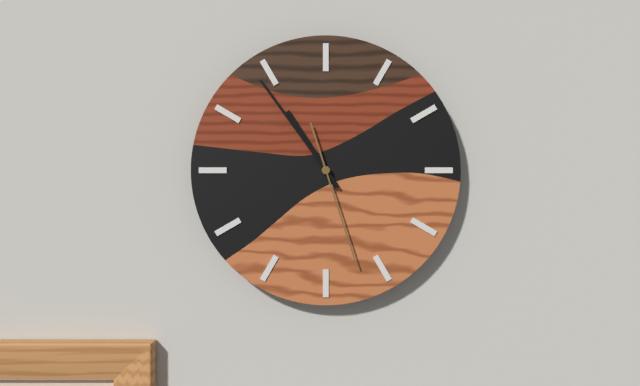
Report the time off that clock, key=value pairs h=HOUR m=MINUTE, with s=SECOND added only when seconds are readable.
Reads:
h=10 m=54 s=27
